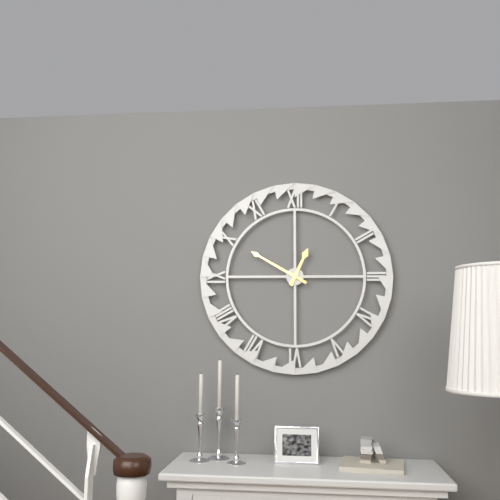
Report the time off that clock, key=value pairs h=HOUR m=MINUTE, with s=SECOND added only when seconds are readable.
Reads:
h=12 m=50
